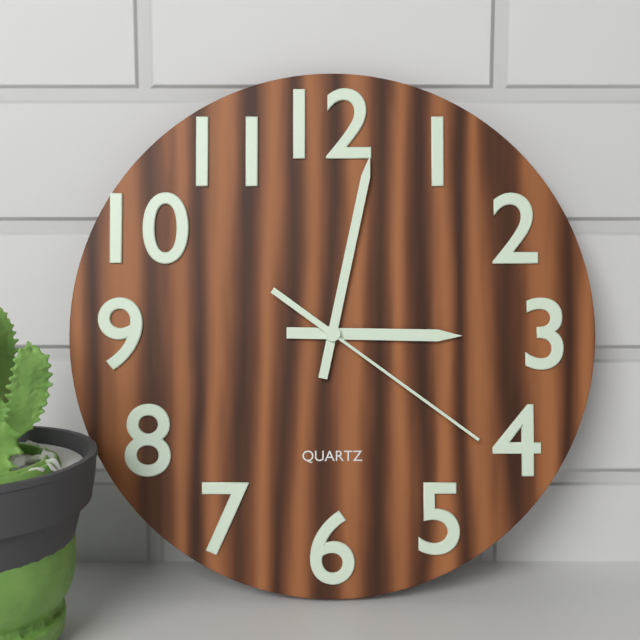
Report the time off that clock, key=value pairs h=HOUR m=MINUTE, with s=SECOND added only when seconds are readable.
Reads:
h=3 m=2 s=21
